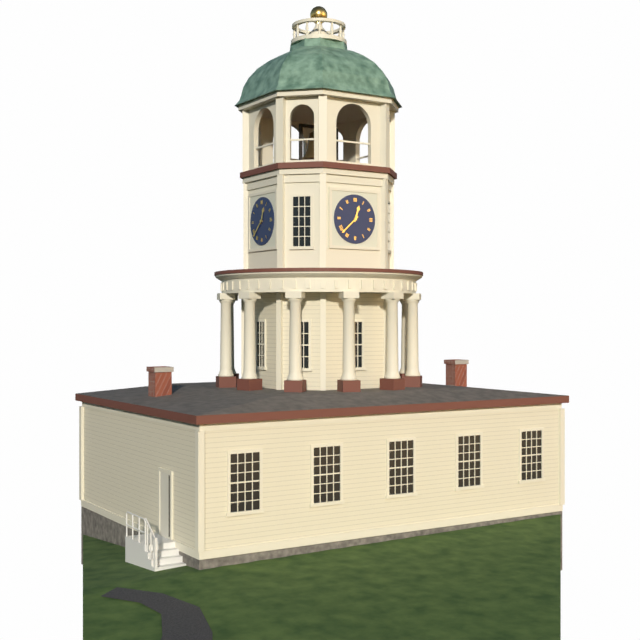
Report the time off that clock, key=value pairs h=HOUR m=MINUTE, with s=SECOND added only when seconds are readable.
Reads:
h=12 m=38
